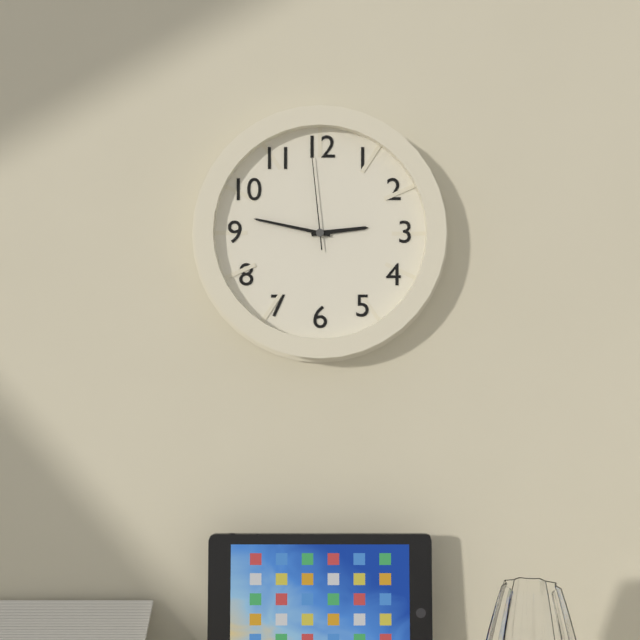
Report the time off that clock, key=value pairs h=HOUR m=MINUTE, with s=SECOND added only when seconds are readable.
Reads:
h=2 m=47 s=59
